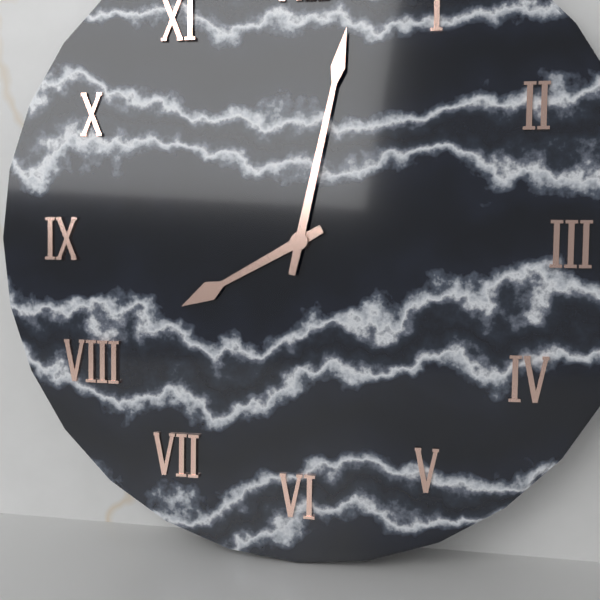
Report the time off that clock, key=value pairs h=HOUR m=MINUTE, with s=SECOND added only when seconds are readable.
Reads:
h=8 m=2
